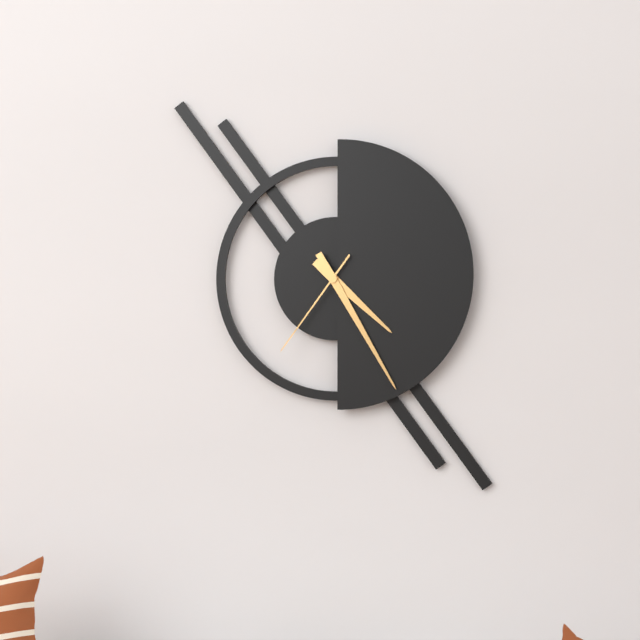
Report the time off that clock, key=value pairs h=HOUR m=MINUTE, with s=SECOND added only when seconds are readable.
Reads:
h=4 m=25 s=36
